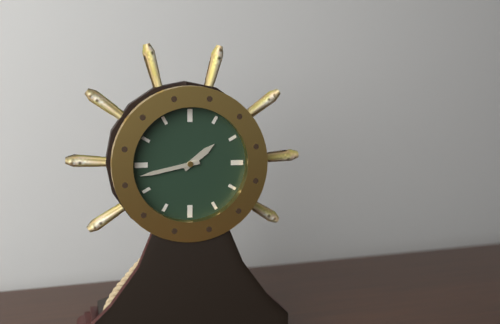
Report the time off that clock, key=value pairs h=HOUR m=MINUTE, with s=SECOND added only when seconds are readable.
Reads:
h=1 m=43
